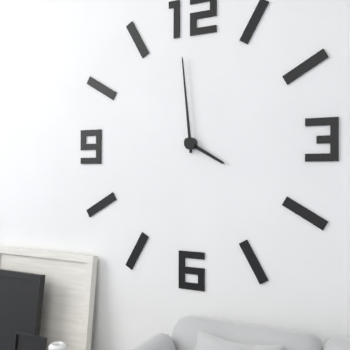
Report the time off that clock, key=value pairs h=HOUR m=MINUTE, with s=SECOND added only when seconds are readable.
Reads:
h=3 m=59
